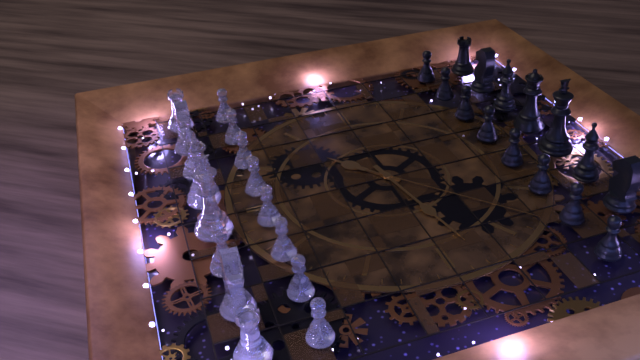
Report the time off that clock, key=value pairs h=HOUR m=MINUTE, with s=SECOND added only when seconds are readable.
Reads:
h=1 m=43 s=38
